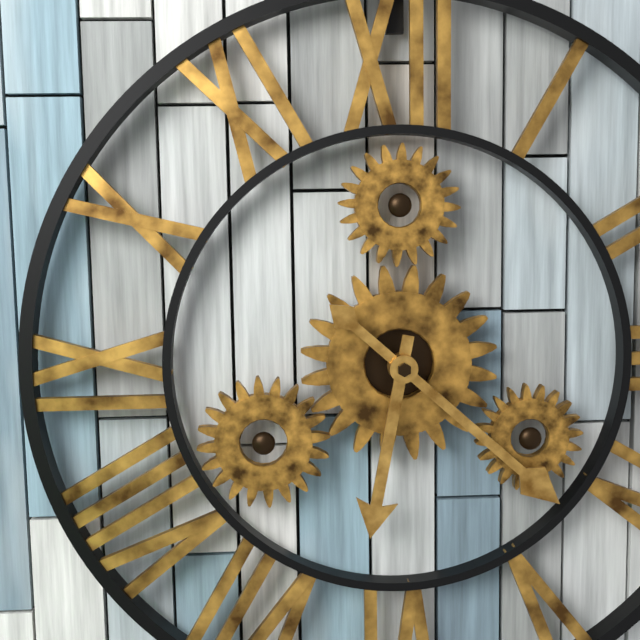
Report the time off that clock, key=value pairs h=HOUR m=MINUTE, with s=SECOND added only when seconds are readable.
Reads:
h=6 m=22
